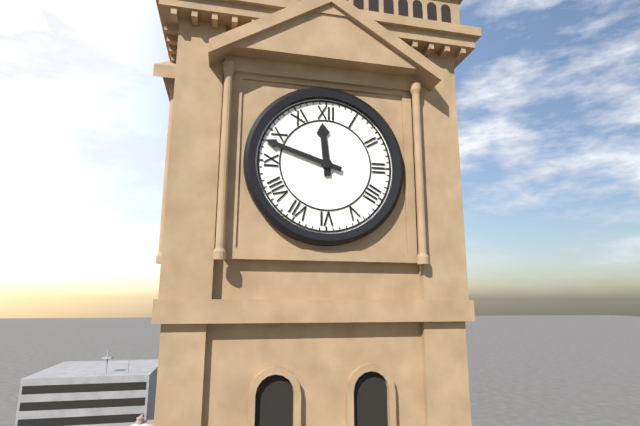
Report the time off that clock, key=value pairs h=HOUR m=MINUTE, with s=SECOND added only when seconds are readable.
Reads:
h=11 m=48
